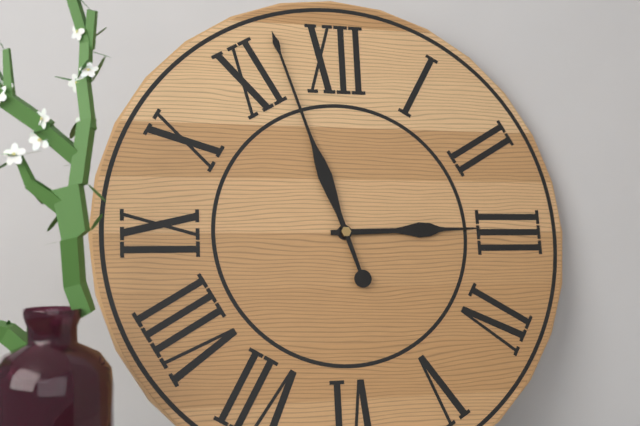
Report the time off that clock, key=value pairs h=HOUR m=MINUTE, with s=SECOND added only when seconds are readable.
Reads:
h=2 m=57
